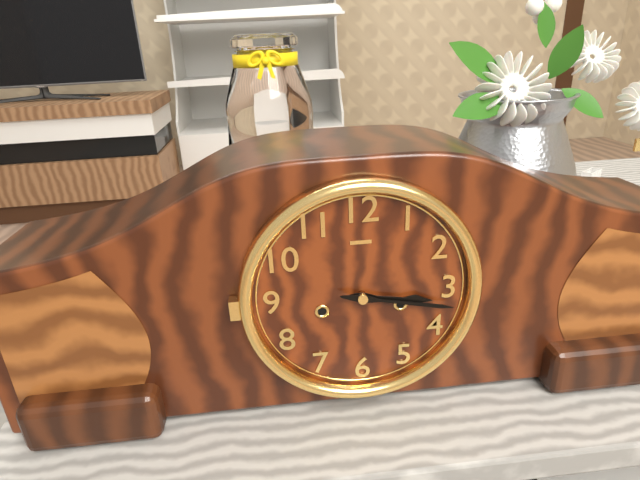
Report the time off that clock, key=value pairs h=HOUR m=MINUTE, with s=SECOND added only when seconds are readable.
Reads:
h=3 m=17
